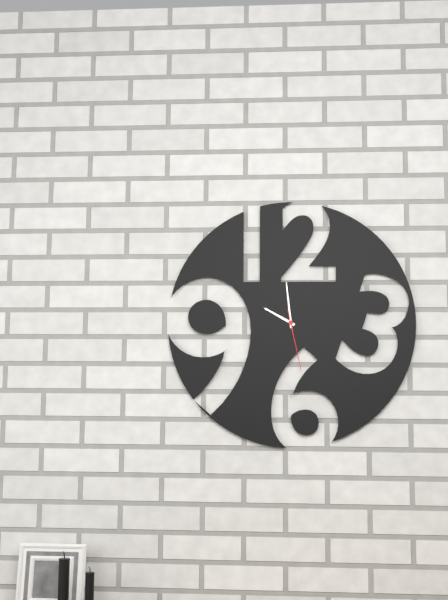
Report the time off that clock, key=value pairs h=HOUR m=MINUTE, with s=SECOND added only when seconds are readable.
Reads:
h=9 m=59 s=28
